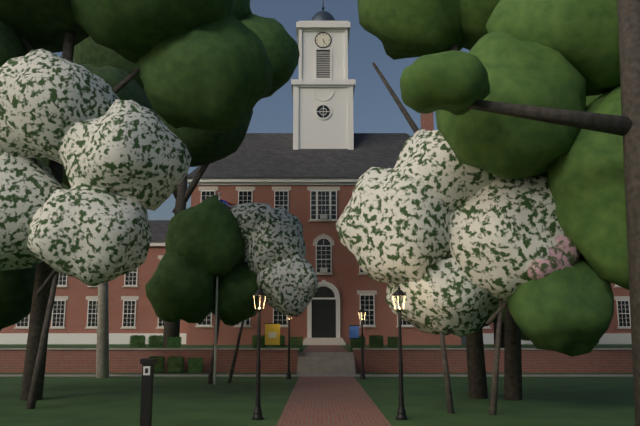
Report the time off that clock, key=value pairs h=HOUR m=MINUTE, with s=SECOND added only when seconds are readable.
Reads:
h=5 m=25
